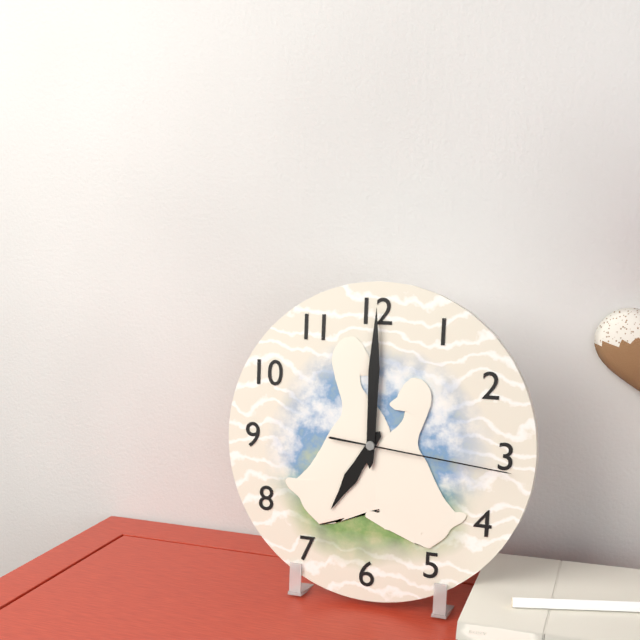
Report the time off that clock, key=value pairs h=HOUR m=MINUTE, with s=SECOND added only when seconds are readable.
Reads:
h=7 m=0 s=16
